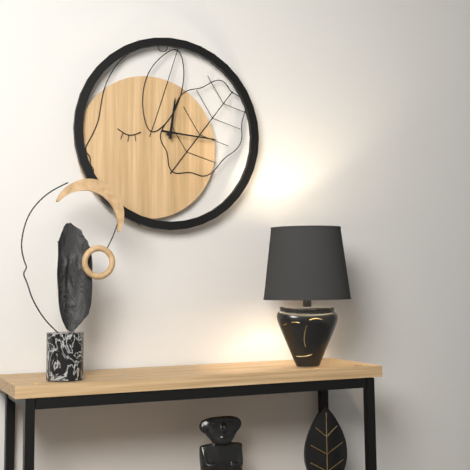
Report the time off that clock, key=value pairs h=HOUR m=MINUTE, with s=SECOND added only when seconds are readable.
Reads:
h=12 m=16
